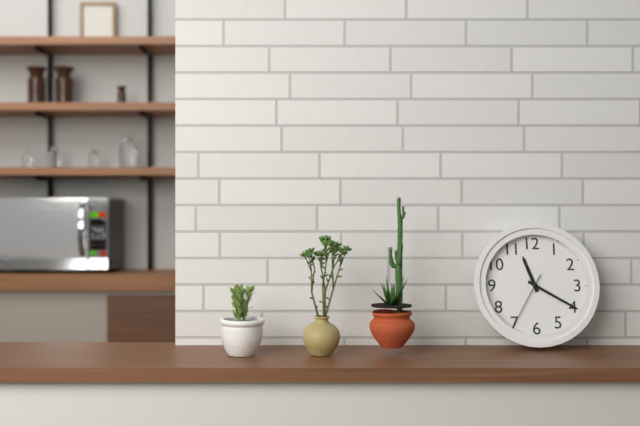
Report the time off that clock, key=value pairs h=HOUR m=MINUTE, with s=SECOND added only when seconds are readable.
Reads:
h=11 m=20 s=35
